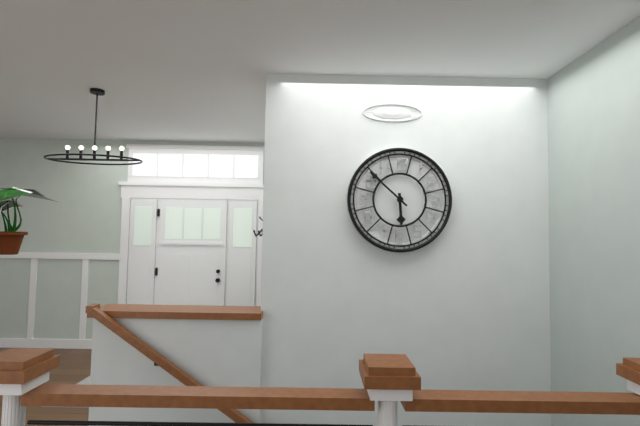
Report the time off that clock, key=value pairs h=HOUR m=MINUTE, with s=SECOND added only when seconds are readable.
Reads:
h=5 m=52
